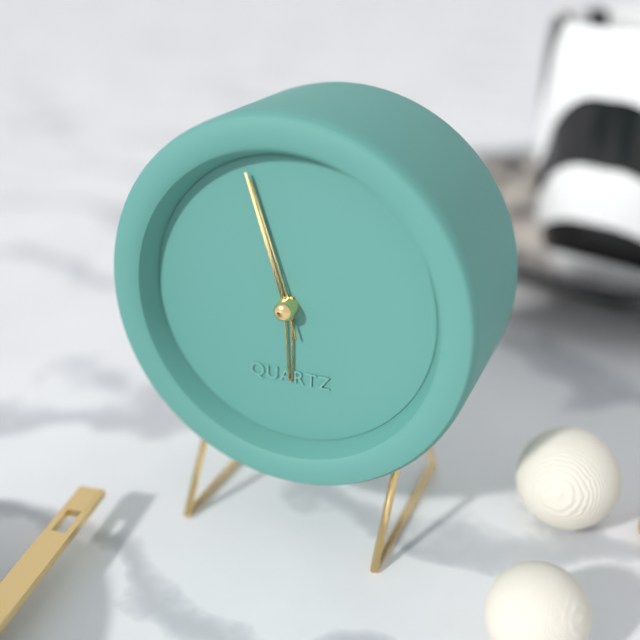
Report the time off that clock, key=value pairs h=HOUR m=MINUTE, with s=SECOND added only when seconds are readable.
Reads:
h=5 m=57 s=57
